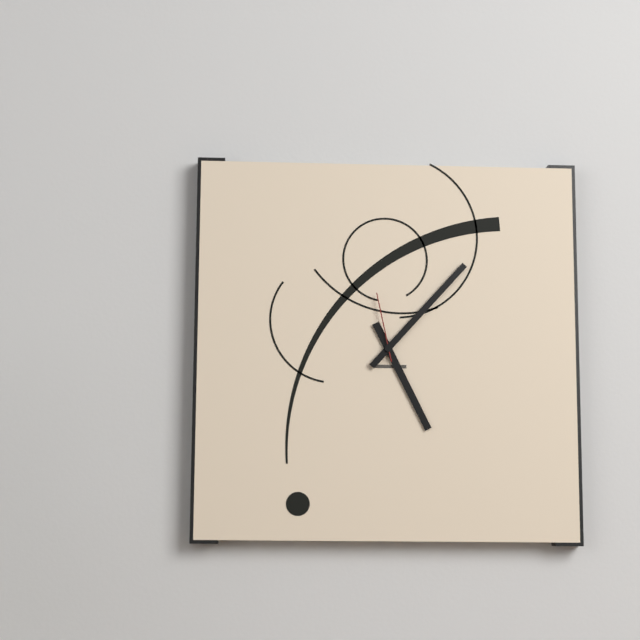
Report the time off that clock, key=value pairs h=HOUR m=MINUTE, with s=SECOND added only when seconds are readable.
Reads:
h=5 m=7 s=58
